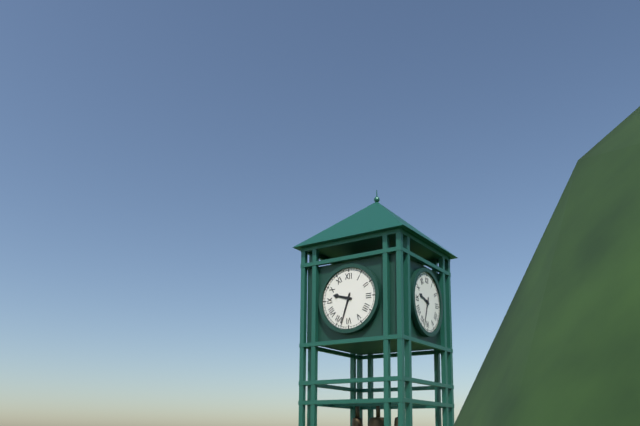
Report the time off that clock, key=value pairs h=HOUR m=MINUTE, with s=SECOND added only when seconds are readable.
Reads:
h=9 m=33
